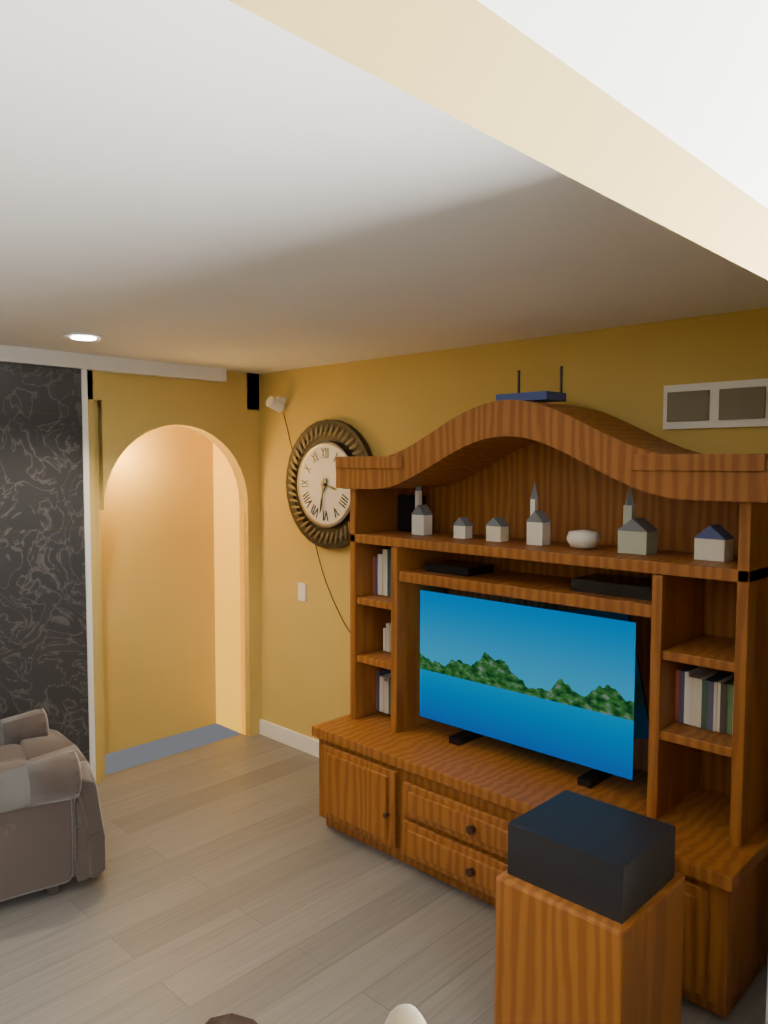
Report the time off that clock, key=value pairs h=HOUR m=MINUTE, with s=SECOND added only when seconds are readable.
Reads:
h=3 m=32
